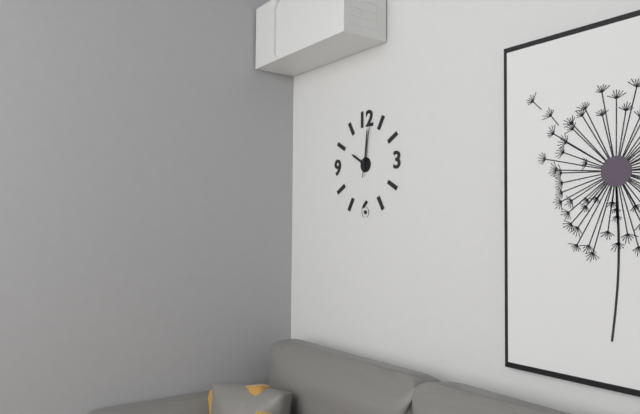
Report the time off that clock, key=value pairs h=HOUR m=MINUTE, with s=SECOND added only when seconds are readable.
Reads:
h=10 m=1 s=2
